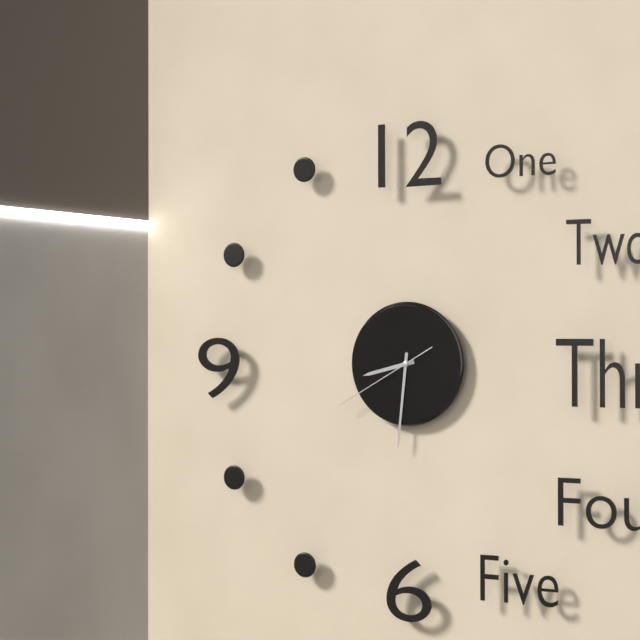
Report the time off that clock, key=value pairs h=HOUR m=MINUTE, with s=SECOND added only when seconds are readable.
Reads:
h=8 m=31 s=40
